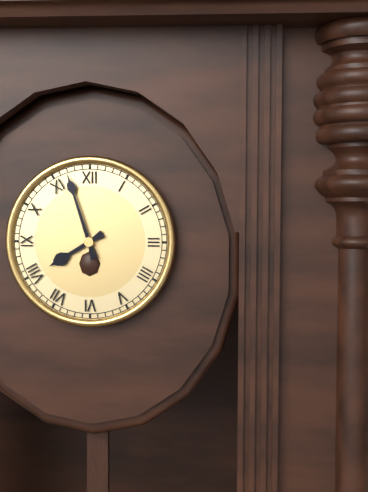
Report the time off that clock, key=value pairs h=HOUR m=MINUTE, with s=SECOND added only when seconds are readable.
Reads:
h=7 m=57
